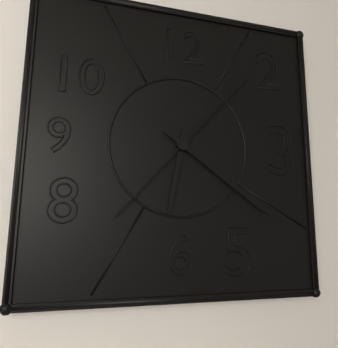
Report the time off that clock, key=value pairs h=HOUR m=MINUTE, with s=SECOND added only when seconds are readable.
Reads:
h=6 m=21 s=7
